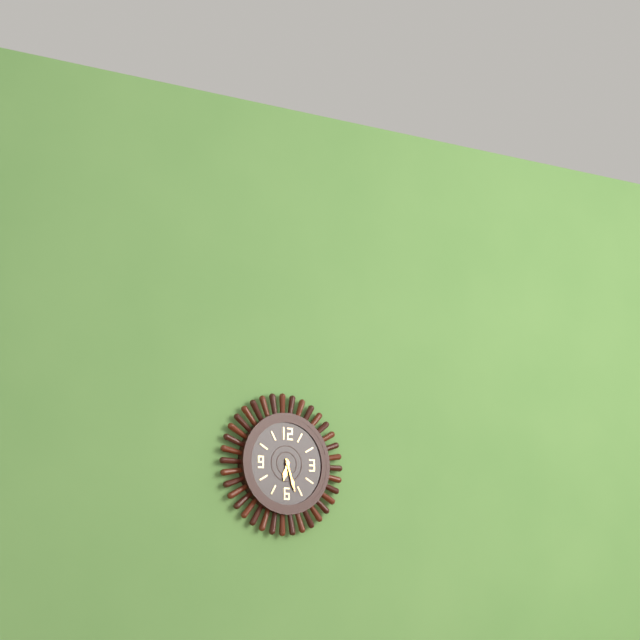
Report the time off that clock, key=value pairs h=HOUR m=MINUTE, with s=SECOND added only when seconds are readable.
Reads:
h=6 m=27
